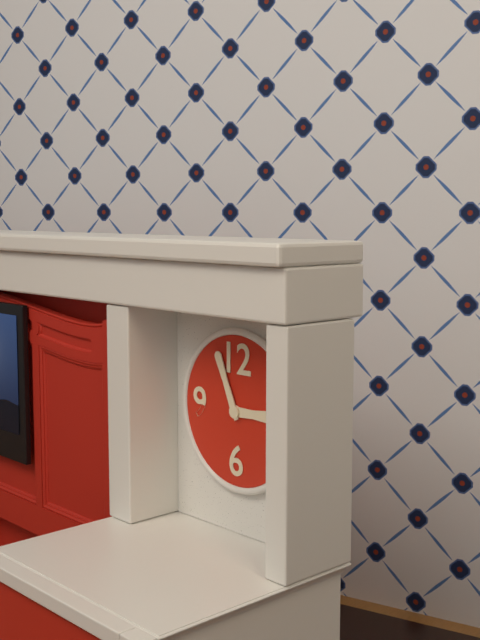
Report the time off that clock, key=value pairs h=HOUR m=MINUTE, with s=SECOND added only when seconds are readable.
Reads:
h=2 m=56
